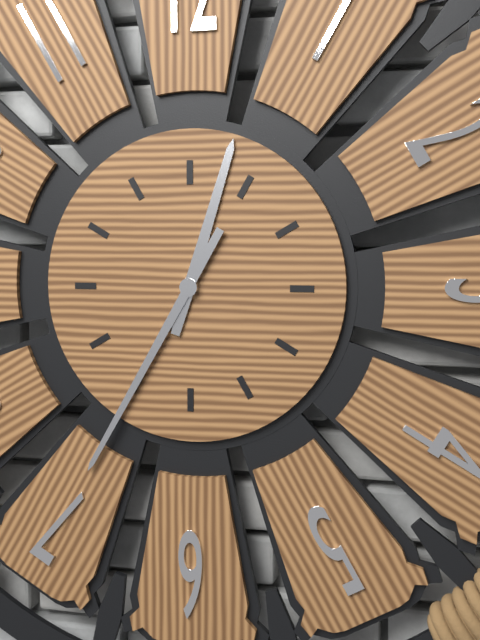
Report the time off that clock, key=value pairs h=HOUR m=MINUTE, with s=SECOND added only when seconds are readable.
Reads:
h=12 m=35
